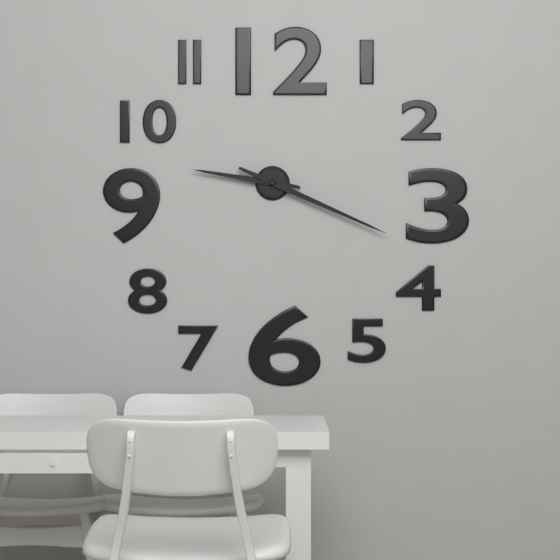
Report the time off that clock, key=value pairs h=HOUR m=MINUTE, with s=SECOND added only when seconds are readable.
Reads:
h=9 m=19
